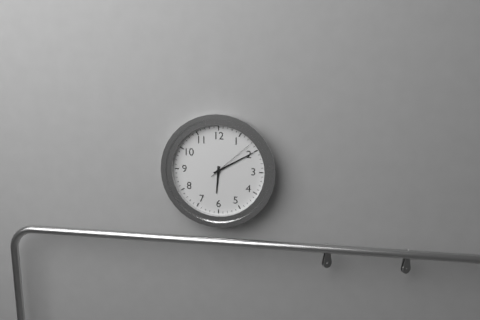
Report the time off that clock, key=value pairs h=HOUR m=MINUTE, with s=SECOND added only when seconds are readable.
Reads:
h=6 m=10 s=8
